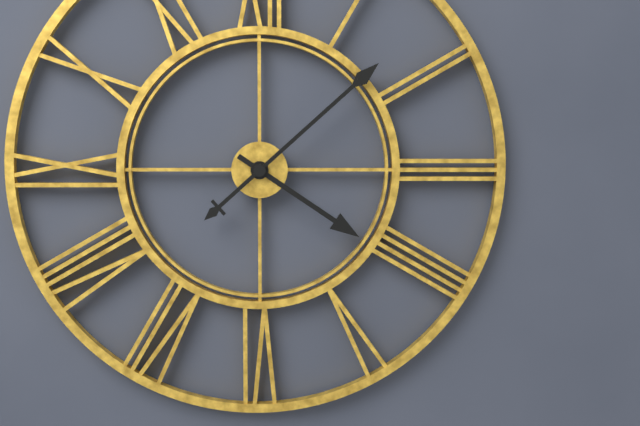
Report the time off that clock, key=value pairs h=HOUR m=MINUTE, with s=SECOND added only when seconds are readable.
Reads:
h=4 m=8
